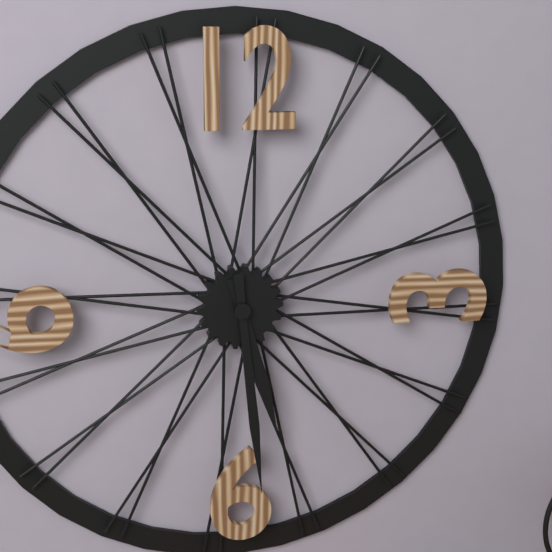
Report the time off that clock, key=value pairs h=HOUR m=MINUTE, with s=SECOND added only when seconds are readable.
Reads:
h=5 m=29
